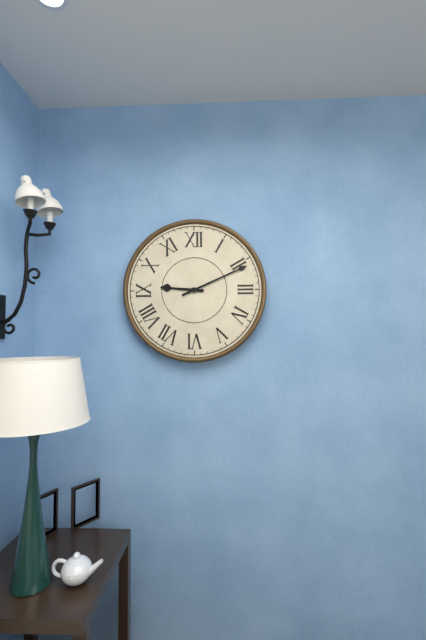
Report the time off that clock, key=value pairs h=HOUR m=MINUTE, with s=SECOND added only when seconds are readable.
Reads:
h=9 m=11
